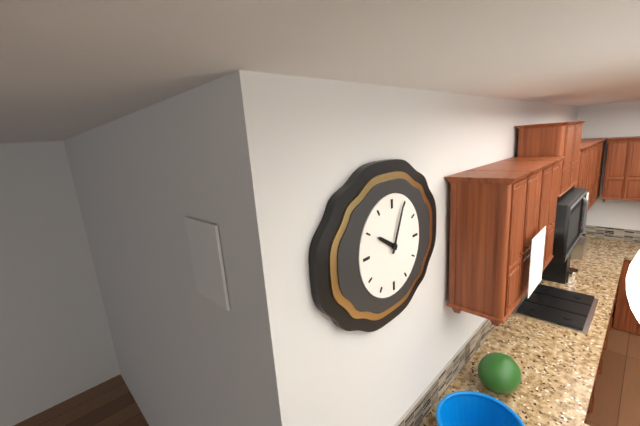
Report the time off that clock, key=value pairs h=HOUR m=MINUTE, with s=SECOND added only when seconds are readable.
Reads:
h=10 m=4
